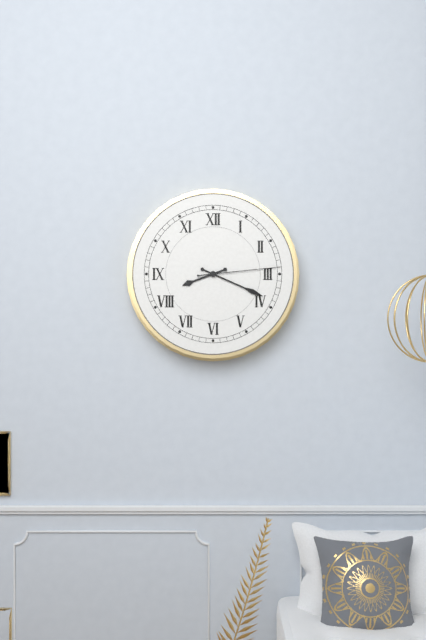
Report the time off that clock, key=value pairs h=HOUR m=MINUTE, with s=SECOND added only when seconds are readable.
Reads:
h=8 m=19 s=14
